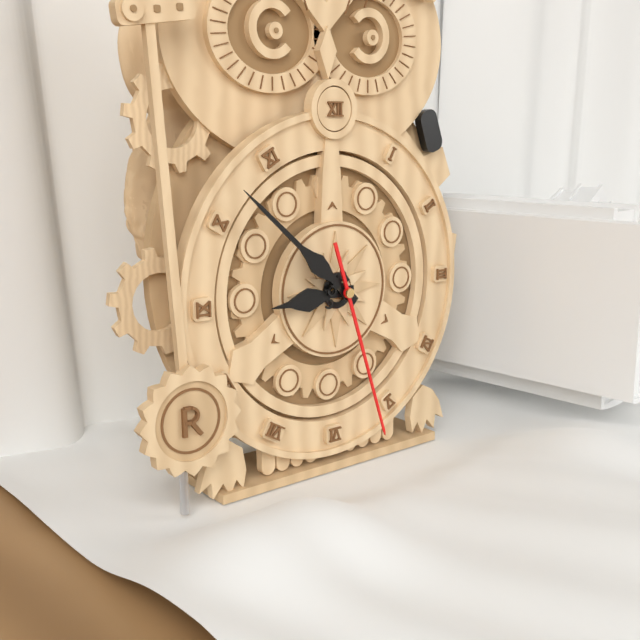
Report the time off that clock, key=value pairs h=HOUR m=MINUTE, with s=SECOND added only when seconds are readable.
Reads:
h=8 m=52 s=27
